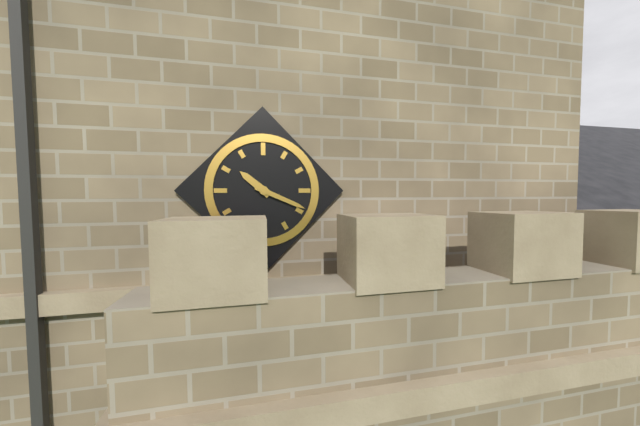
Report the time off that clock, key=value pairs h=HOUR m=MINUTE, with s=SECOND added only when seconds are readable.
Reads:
h=10 m=19
